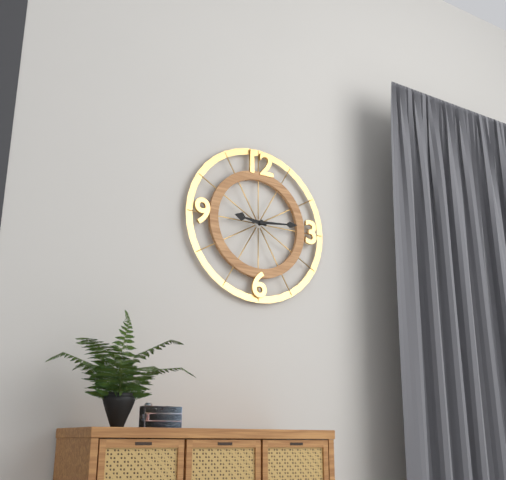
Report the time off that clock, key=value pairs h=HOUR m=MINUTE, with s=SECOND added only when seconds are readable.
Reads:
h=9 m=14
